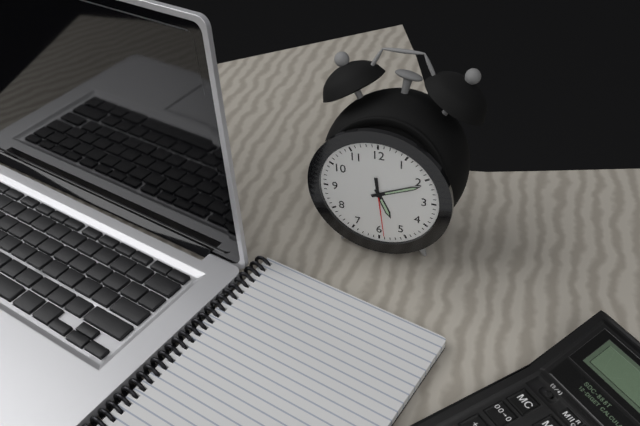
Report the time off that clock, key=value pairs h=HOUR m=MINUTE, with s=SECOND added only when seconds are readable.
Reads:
h=5 m=11 s=29
